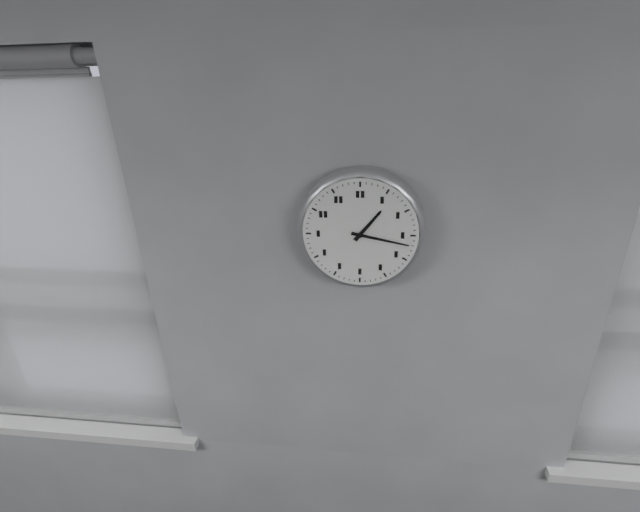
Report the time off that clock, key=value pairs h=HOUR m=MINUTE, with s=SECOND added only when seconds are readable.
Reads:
h=1 m=17
